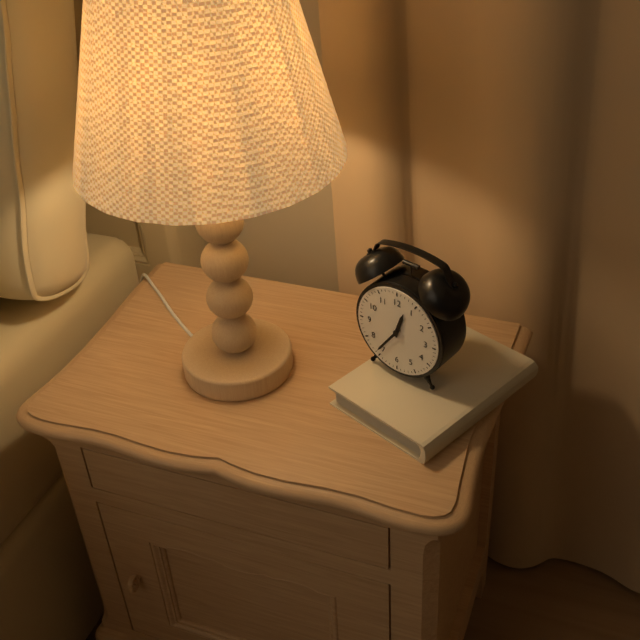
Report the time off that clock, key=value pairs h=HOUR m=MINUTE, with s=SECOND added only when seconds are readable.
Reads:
h=12 m=36
